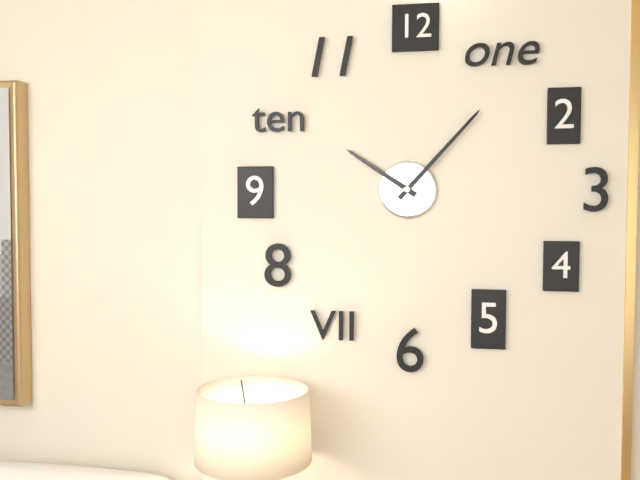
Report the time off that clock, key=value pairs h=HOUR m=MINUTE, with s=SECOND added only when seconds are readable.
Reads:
h=10 m=7
